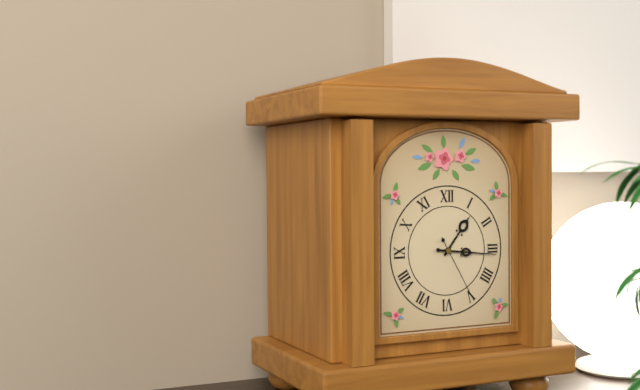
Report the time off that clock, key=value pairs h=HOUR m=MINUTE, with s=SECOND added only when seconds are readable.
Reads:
h=1 m=16 s=25
